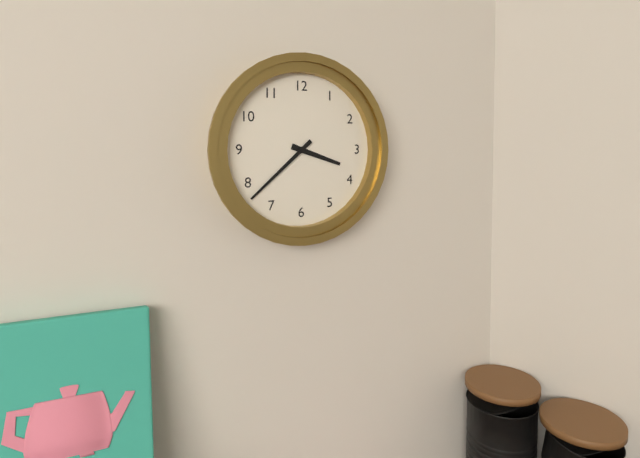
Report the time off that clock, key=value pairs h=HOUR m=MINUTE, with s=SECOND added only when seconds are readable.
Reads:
h=3 m=38
